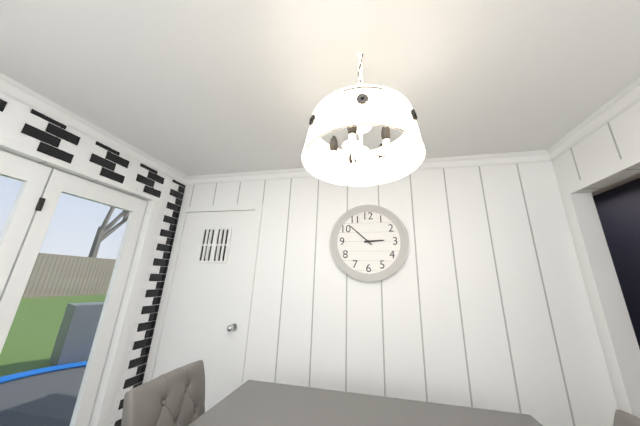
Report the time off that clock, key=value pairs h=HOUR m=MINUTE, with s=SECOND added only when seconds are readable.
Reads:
h=2 m=52
